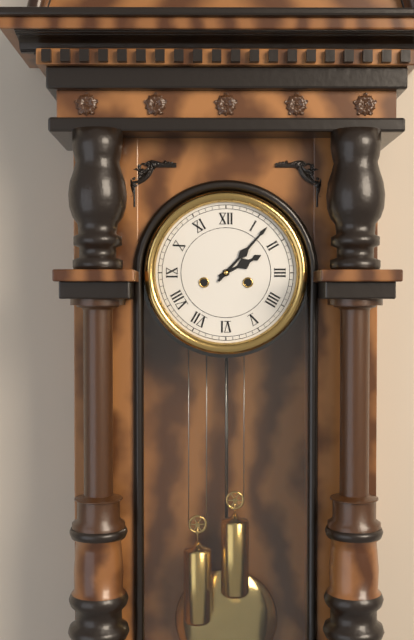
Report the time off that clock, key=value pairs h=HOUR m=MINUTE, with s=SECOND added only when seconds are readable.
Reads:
h=2 m=7
